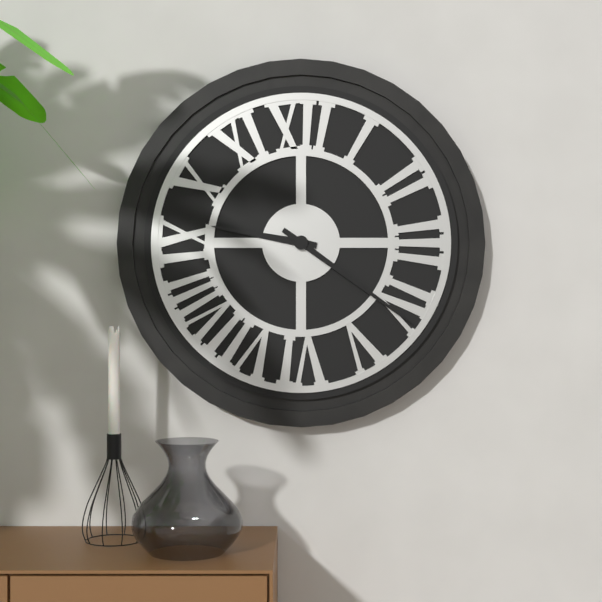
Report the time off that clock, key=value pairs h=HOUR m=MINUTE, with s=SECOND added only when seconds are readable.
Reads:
h=9 m=21
